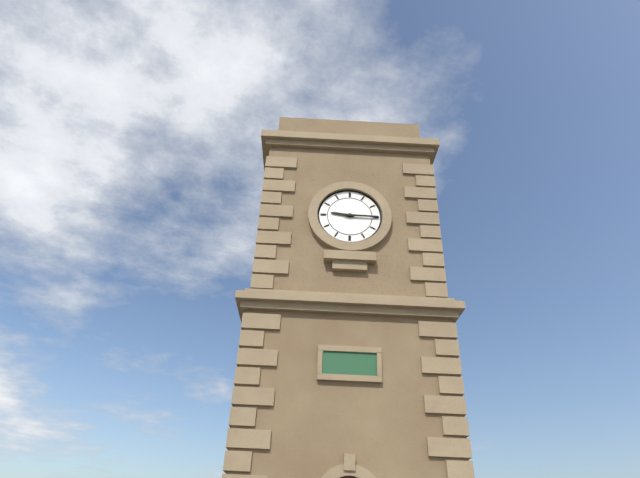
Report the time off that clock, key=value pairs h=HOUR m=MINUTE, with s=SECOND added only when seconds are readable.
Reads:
h=9 m=15
